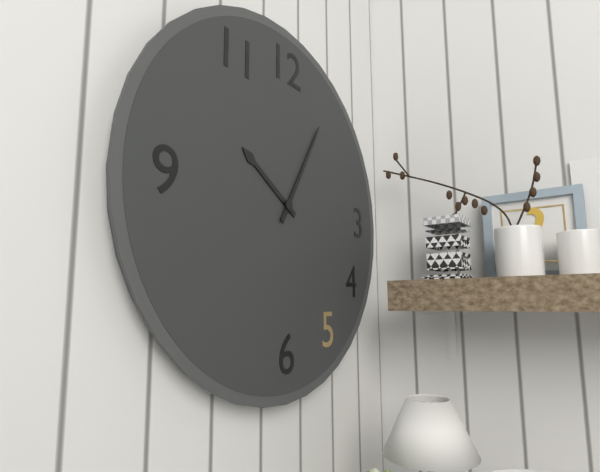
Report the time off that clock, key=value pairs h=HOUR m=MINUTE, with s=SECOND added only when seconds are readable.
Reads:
h=10 m=5
